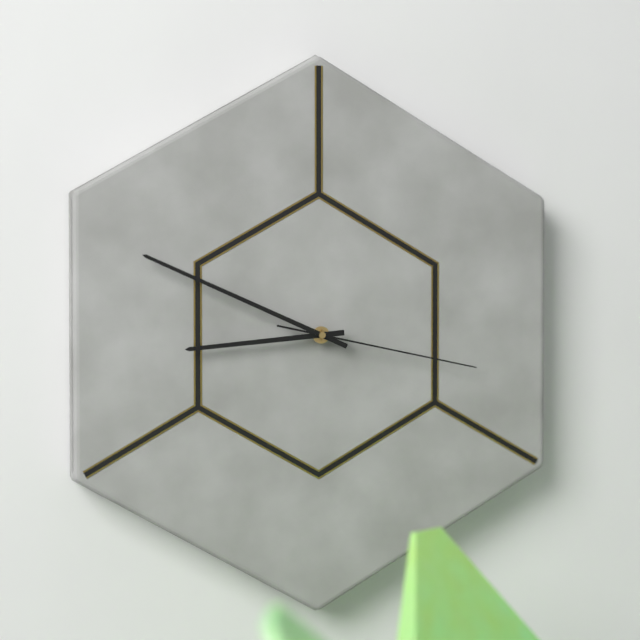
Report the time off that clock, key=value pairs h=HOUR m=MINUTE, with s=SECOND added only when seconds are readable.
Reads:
h=8 m=49 s=17
